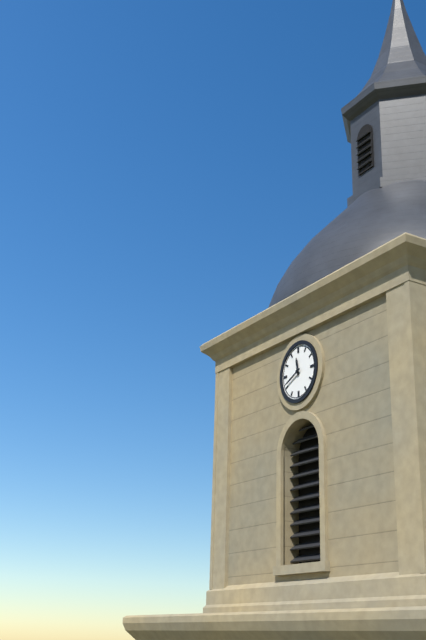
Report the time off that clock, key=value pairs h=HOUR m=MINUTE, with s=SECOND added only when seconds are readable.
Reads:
h=11 m=41
